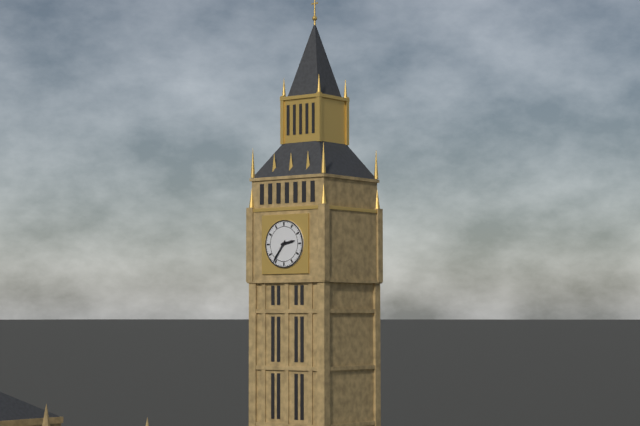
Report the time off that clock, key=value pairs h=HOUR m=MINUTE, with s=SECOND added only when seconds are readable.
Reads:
h=2 m=36
